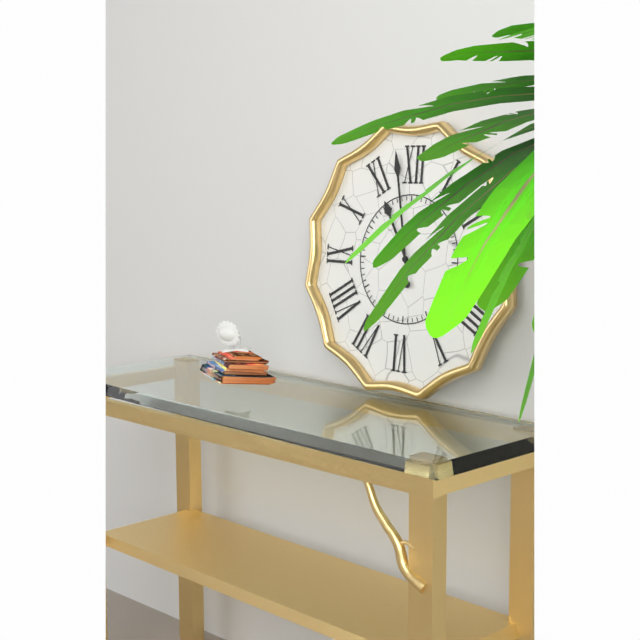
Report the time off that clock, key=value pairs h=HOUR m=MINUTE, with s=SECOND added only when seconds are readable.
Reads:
h=10 m=58
